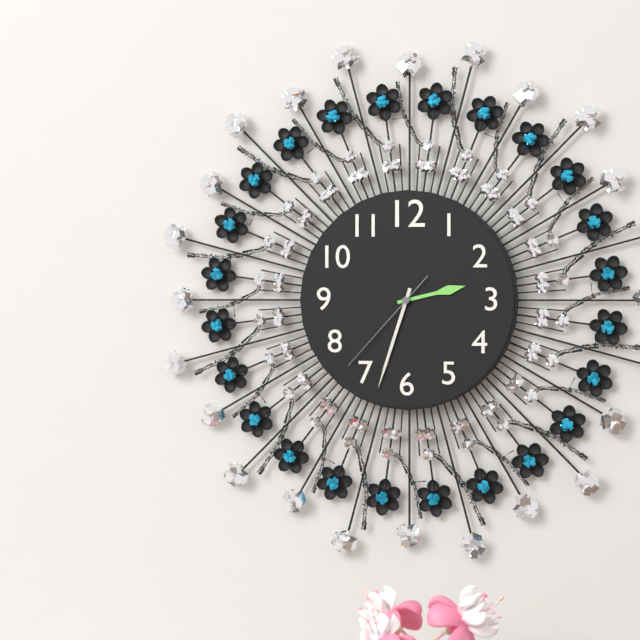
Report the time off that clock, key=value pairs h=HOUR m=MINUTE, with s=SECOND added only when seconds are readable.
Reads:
h=2 m=33 s=37
